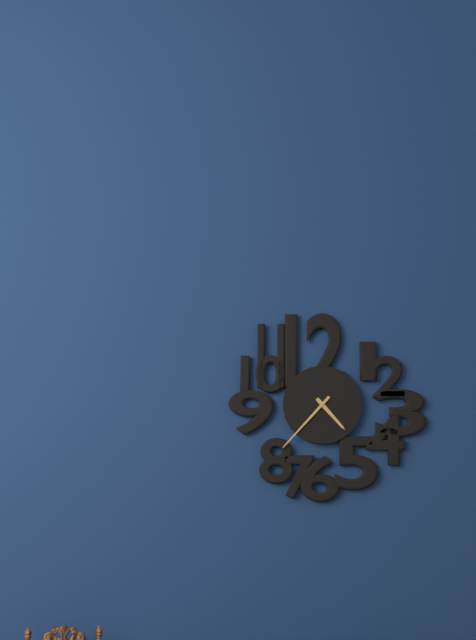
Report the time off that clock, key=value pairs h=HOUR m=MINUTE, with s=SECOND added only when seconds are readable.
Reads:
h=4 m=37
